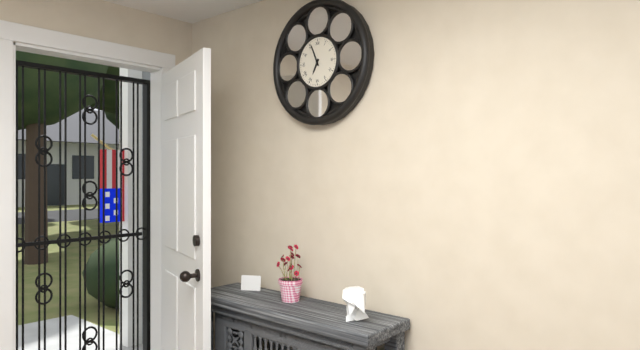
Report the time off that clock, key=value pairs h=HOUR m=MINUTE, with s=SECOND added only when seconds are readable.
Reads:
h=6 m=56
